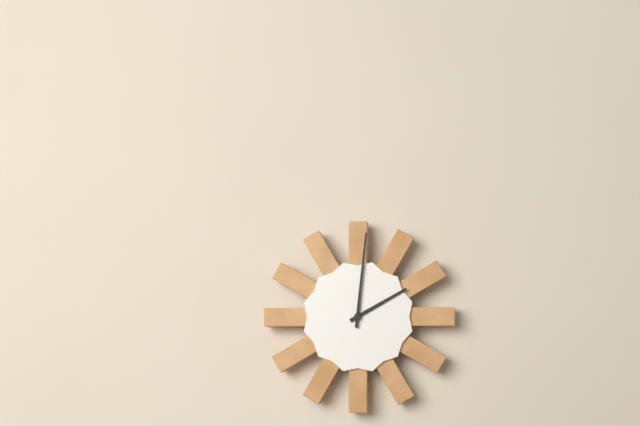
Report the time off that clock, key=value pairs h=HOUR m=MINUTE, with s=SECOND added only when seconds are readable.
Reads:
h=2 m=1
